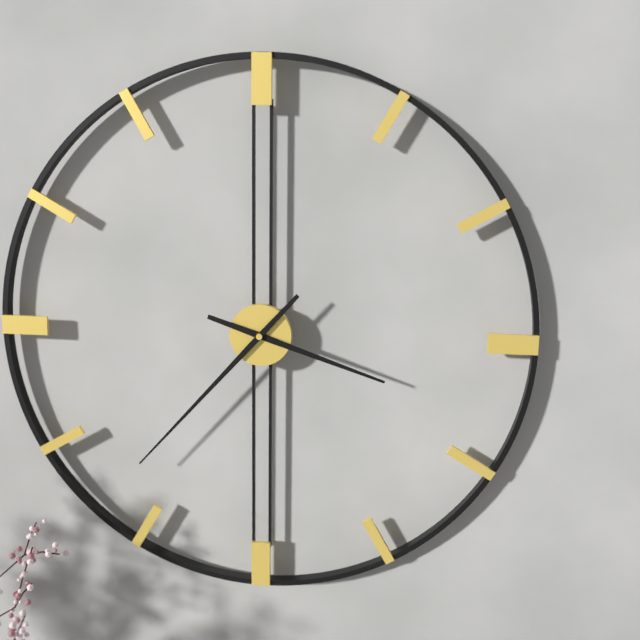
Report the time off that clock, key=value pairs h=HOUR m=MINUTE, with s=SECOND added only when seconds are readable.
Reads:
h=3 m=37
